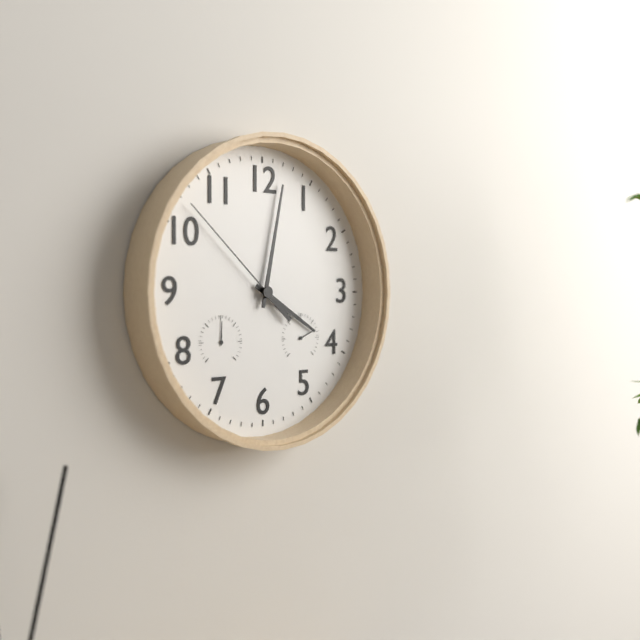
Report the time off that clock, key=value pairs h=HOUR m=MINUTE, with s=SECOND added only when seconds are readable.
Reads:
h=4 m=2 s=52
